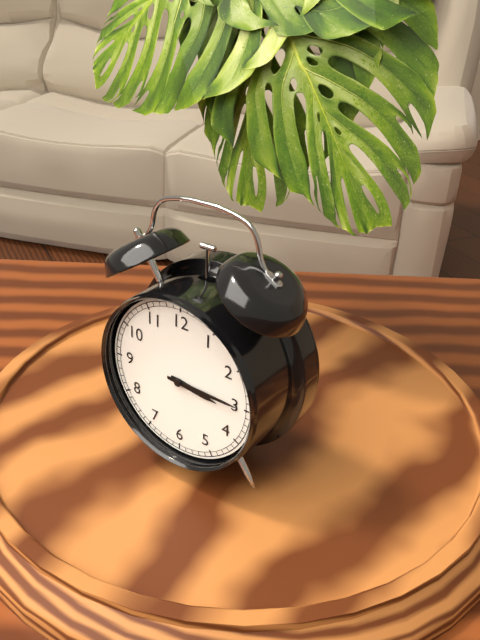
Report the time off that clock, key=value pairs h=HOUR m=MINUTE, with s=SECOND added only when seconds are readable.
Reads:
h=3 m=15
